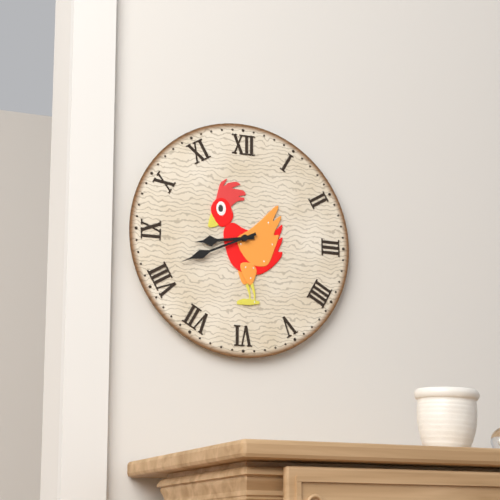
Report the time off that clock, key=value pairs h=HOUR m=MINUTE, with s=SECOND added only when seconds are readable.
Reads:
h=8 m=41
